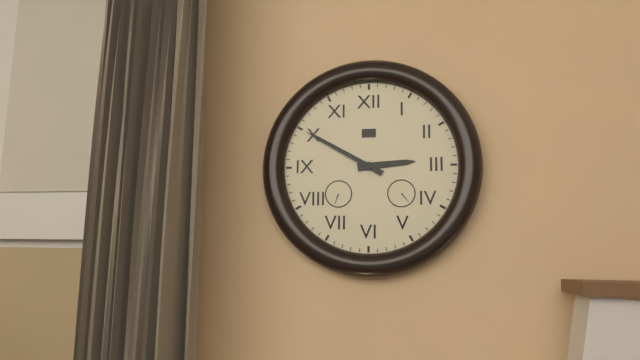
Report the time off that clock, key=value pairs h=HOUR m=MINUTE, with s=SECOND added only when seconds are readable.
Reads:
h=2 m=50
